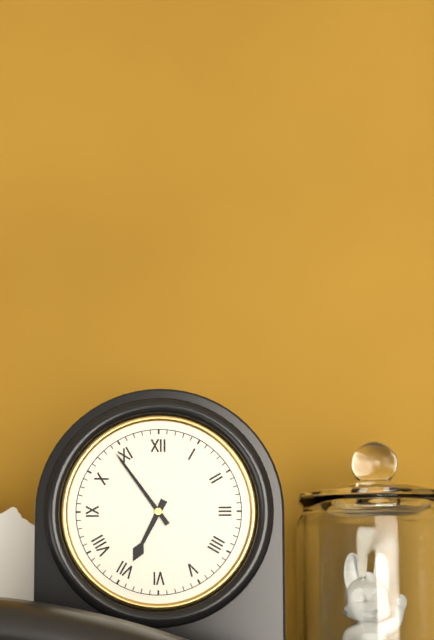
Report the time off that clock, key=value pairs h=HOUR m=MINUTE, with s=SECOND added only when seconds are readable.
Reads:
h=6 m=54
